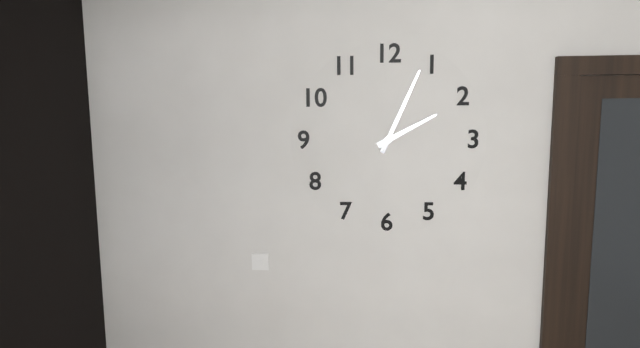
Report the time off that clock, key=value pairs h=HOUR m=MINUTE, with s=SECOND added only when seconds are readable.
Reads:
h=2 m=4
